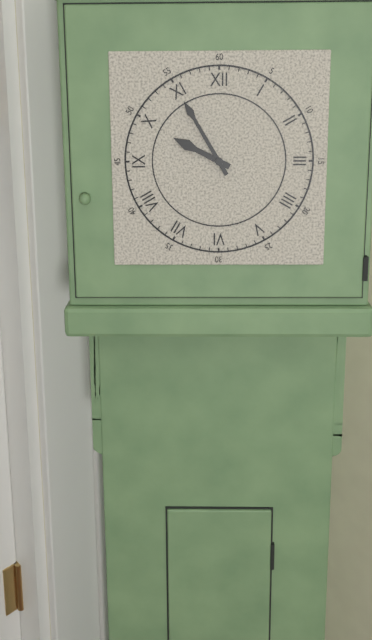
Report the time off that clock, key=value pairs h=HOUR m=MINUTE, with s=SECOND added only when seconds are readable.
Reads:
h=9 m=55
